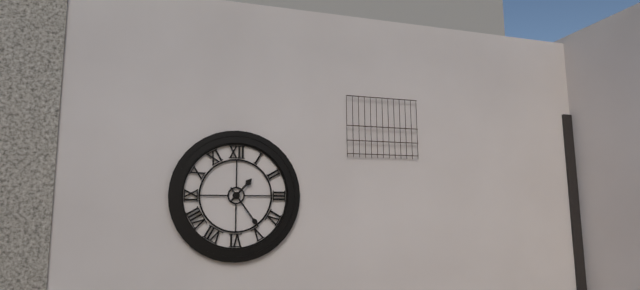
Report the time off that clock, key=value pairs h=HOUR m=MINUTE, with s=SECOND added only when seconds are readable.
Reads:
h=1 m=24
